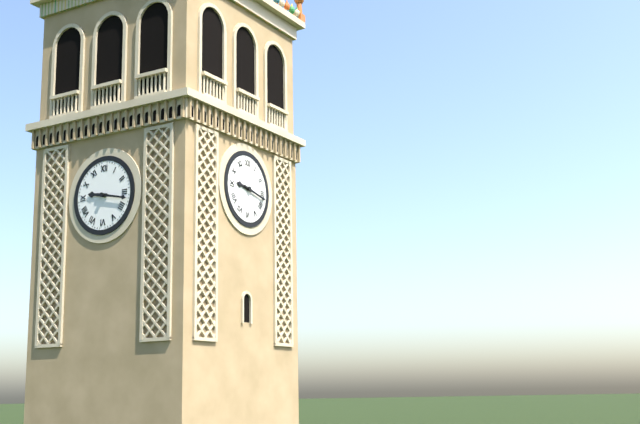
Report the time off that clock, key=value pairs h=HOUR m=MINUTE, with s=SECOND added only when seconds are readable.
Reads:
h=9 m=17
